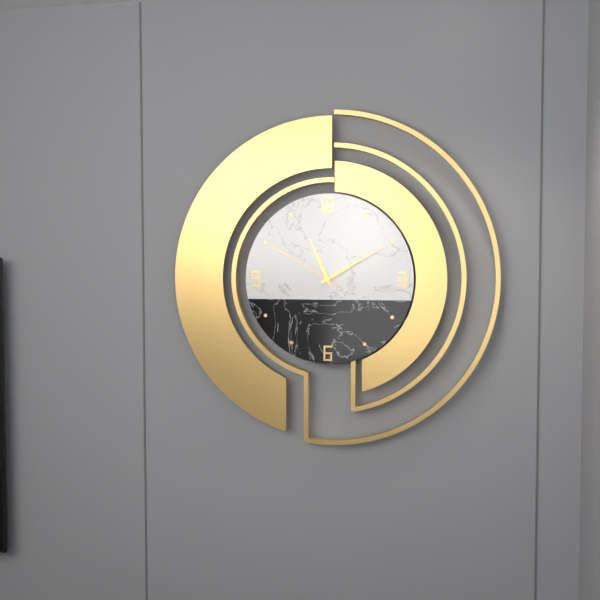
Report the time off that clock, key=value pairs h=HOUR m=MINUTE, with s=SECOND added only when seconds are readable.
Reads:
h=11 m=10 s=50
